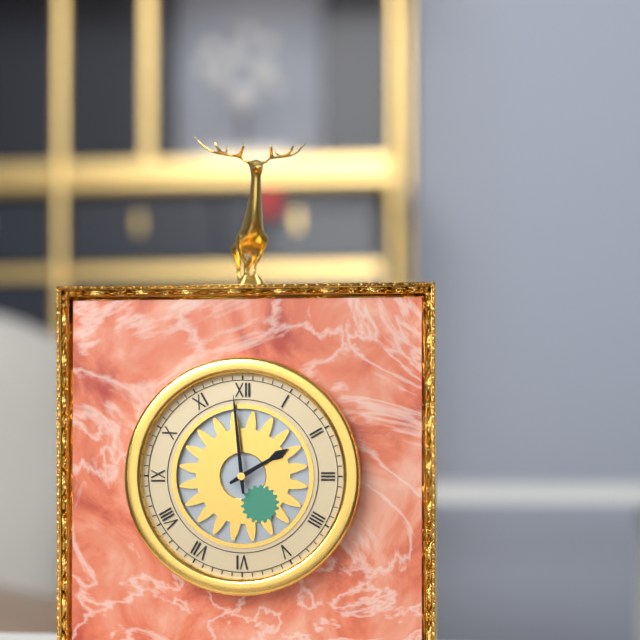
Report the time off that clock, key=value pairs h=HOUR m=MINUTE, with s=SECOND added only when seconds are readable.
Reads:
h=1 m=59
